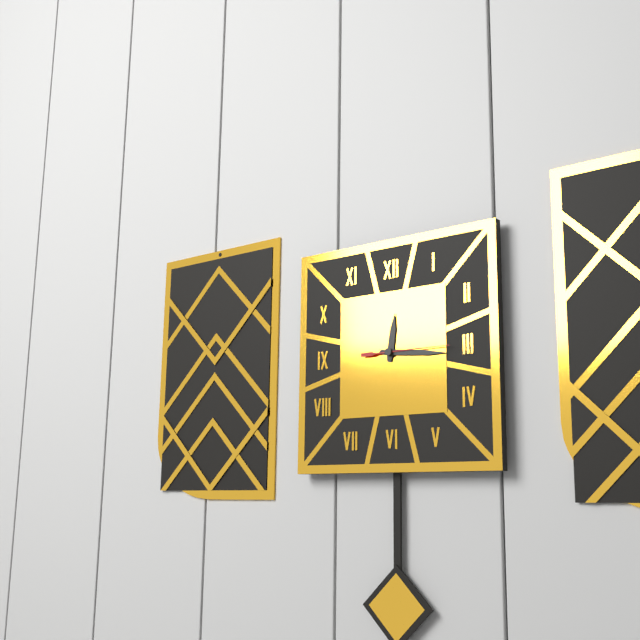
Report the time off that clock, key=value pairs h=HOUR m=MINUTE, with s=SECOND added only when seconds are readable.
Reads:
h=12 m=16 s=15
